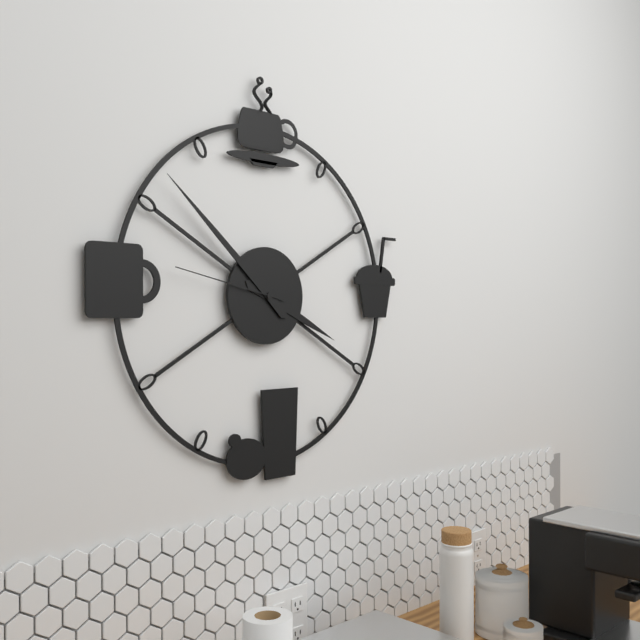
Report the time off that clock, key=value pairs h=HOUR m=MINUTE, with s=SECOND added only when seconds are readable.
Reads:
h=3 m=52 s=47
